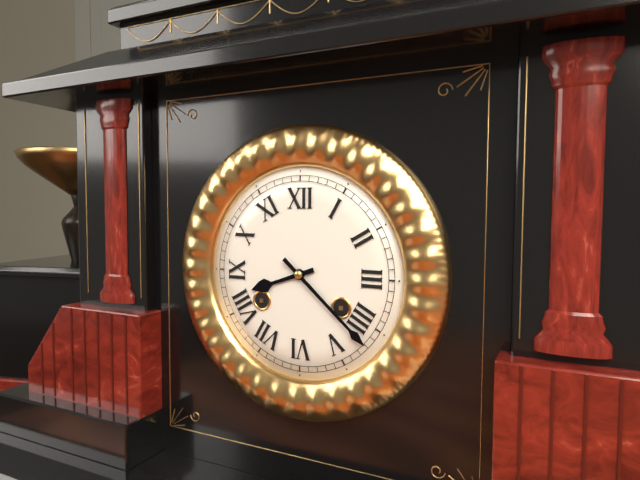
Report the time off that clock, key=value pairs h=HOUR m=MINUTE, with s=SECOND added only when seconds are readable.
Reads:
h=8 m=22
